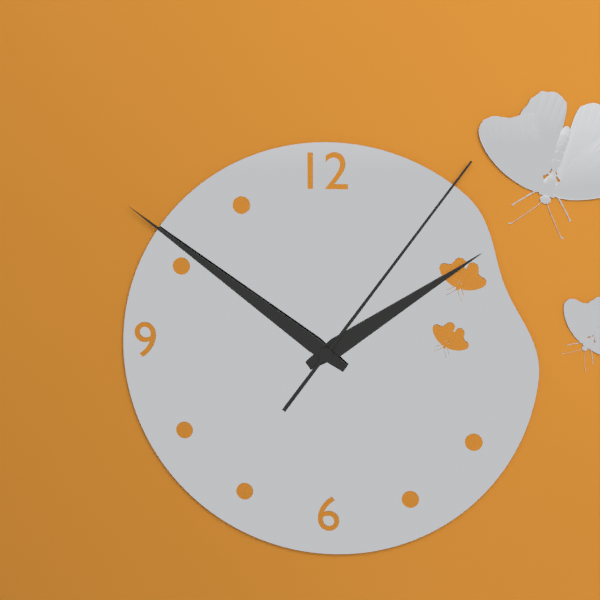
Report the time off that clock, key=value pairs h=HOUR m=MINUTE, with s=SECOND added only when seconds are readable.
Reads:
h=1 m=51 s=6
